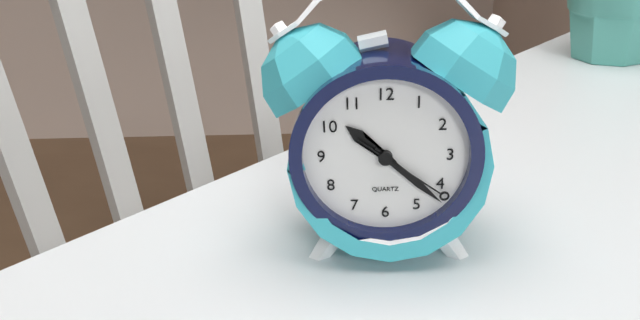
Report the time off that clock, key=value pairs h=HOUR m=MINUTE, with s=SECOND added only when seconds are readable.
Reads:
h=10 m=22 s=21
